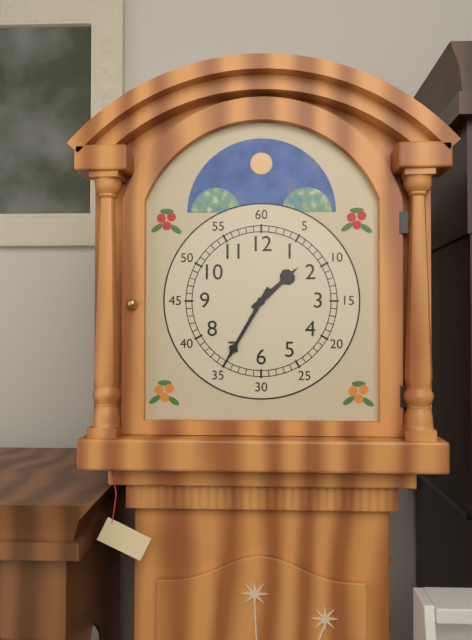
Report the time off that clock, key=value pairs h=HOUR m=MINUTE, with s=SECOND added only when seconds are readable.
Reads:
h=1 m=35
